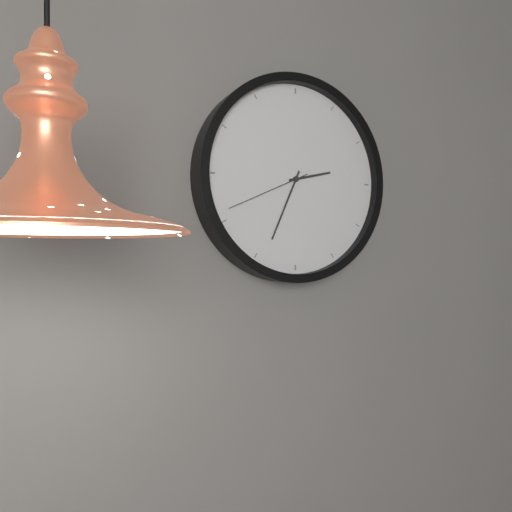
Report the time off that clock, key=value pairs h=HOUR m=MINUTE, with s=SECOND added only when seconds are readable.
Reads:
h=2 m=34 s=41
